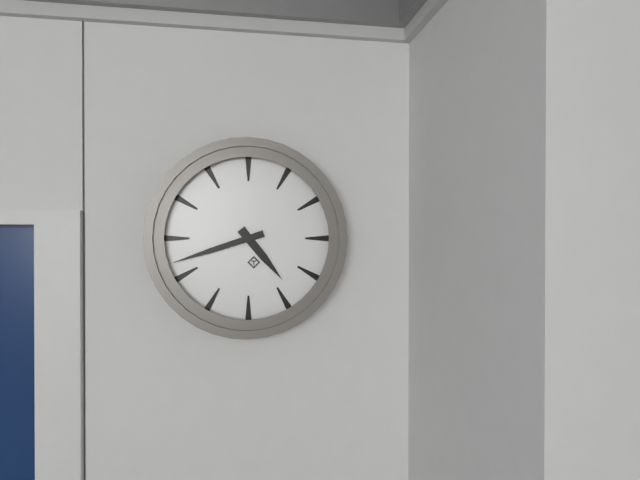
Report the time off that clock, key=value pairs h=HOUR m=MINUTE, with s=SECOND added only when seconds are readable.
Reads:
h=4 m=42
